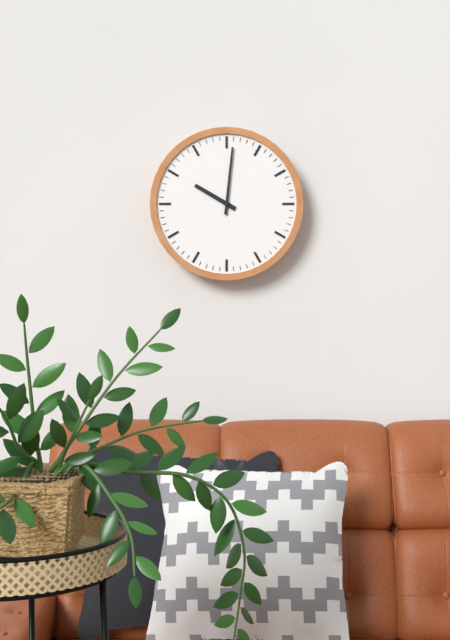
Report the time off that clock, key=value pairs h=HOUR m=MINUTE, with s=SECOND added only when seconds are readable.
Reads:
h=10 m=1
